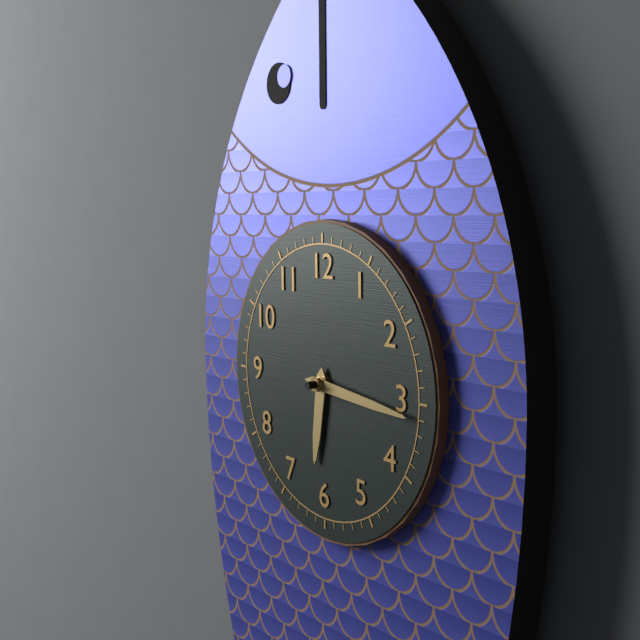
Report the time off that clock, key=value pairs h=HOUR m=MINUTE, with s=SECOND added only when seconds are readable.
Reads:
h=6 m=16
